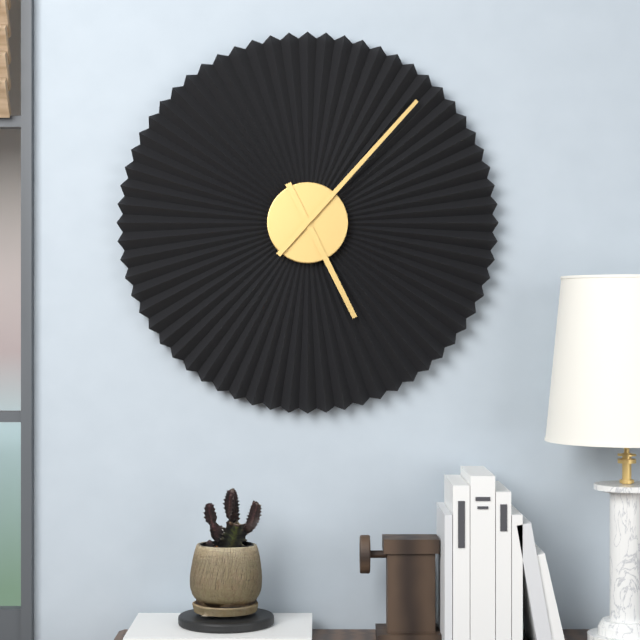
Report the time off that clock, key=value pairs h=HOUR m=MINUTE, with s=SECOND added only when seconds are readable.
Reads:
h=5 m=7
